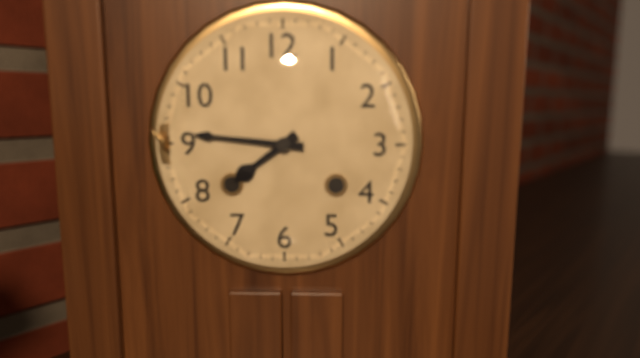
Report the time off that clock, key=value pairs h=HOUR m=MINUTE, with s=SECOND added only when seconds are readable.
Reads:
h=7 m=46
